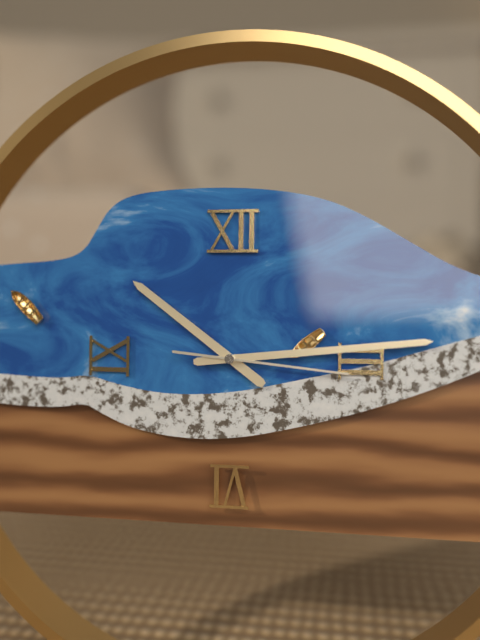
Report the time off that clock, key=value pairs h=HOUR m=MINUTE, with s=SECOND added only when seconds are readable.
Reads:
h=10 m=14 s=16
